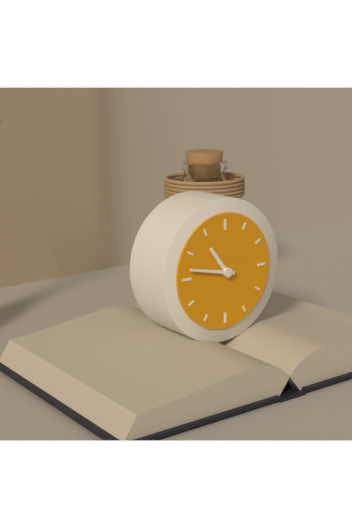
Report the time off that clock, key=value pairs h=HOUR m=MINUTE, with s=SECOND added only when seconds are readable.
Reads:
h=10 m=47
